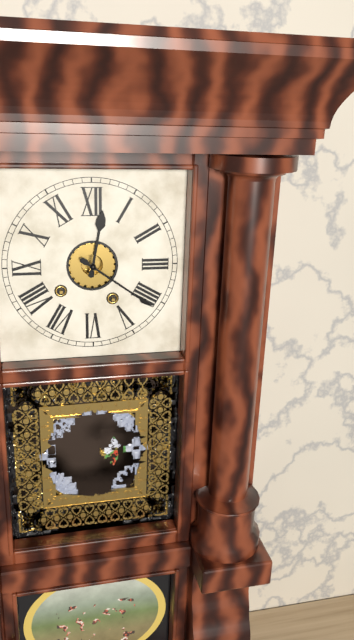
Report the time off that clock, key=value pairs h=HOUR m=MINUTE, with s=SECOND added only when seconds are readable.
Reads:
h=12 m=21
